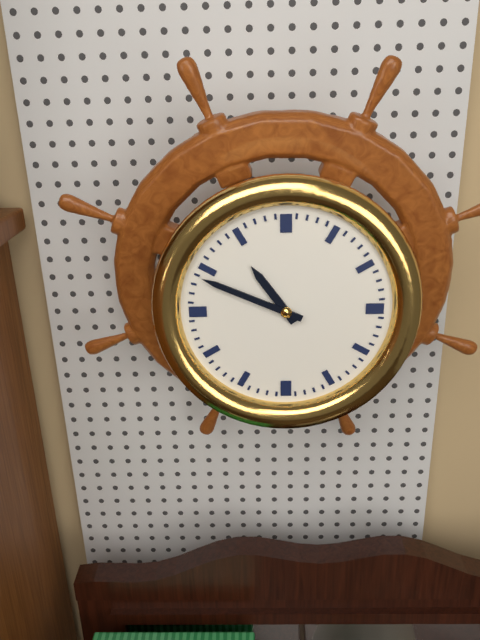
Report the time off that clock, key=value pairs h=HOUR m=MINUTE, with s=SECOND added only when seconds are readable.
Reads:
h=10 m=49
